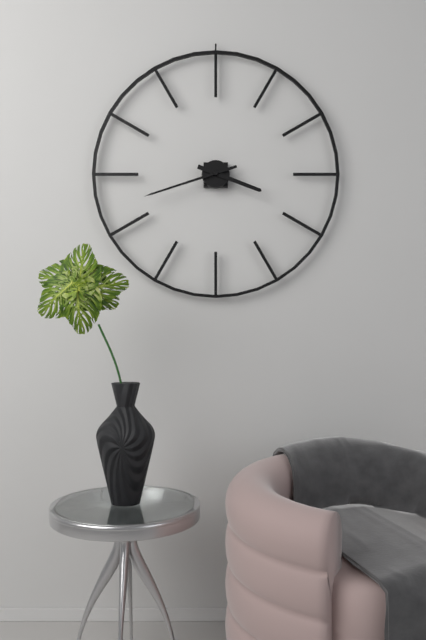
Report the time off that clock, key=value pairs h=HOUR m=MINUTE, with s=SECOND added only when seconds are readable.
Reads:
h=3 m=42
